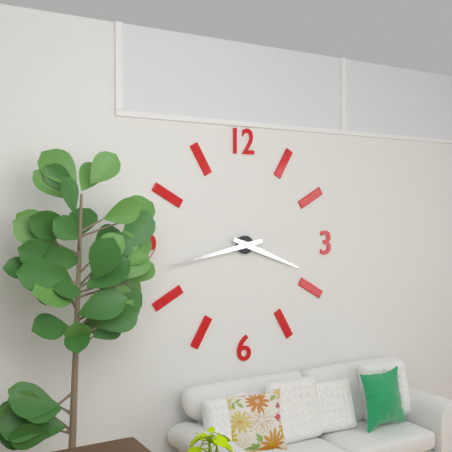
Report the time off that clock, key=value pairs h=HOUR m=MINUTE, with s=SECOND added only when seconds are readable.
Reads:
h=3 m=43
